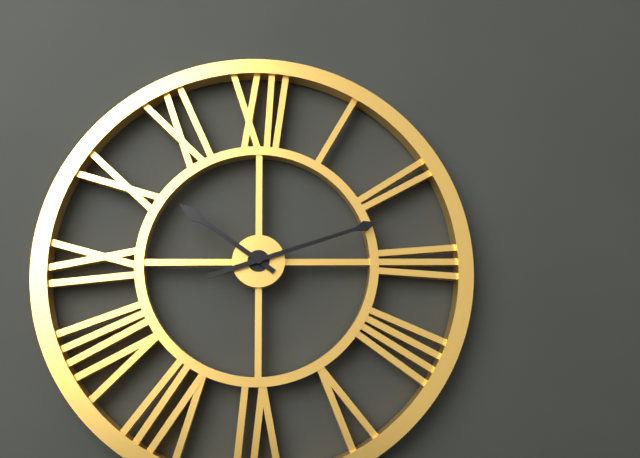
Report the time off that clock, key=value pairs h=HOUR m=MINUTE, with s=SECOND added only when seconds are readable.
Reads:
h=10 m=12
